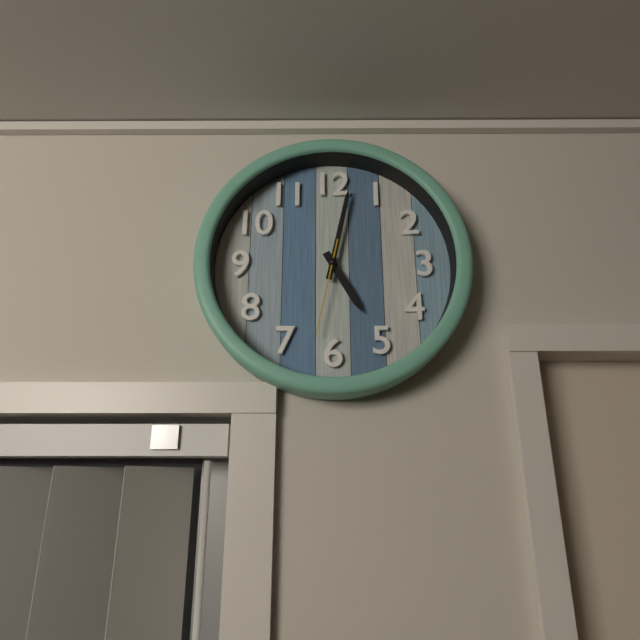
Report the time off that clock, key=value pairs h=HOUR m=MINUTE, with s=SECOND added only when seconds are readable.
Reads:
h=5 m=2 s=32
